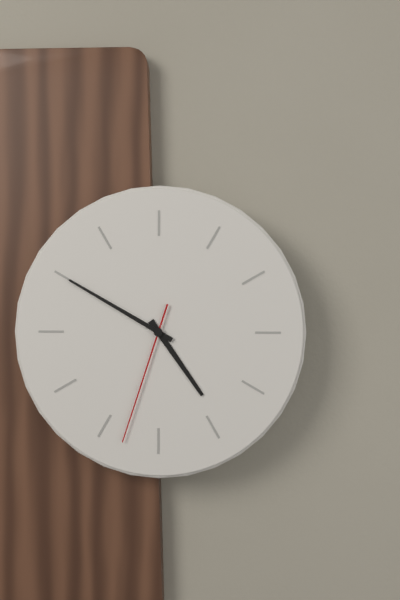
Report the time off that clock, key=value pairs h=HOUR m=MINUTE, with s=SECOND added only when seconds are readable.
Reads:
h=4 m=50 s=33
